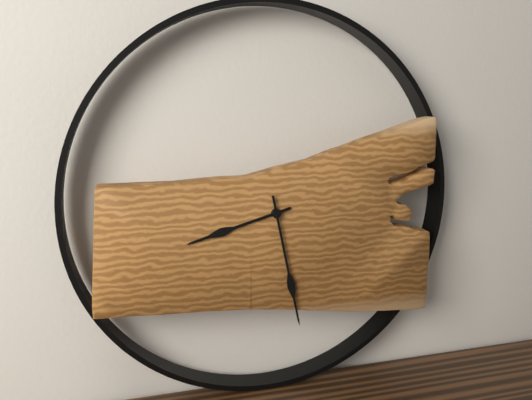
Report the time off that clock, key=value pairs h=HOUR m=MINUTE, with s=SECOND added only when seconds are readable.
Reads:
h=8 m=28
